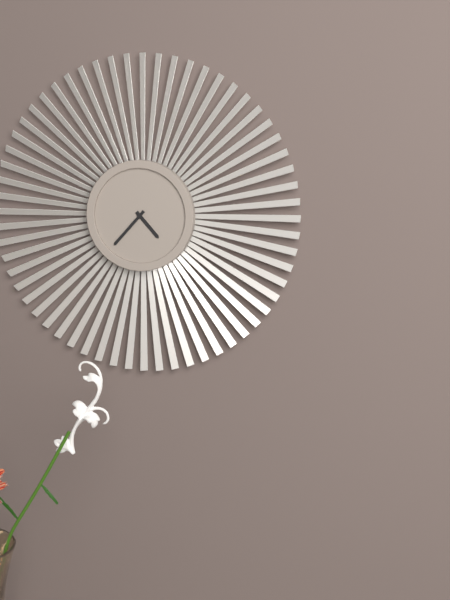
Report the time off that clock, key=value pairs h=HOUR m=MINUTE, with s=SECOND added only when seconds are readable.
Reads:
h=4 m=37
